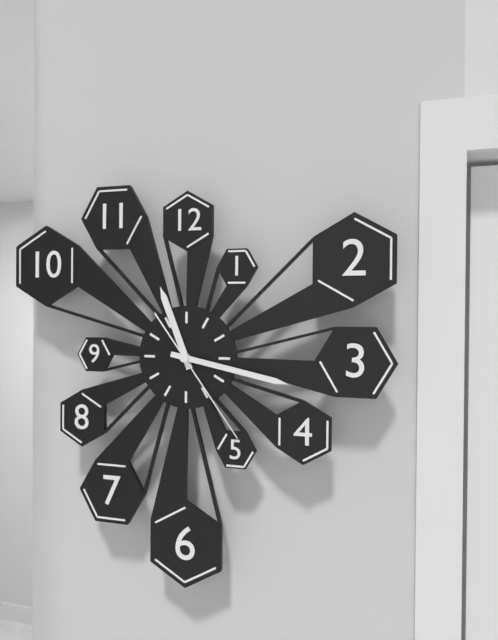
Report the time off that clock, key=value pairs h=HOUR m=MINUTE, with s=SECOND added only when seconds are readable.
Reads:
h=11 m=17 s=24
